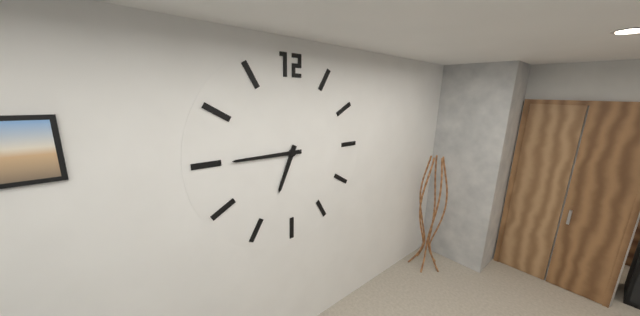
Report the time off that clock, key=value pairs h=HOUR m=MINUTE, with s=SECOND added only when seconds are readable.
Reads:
h=6 m=45
